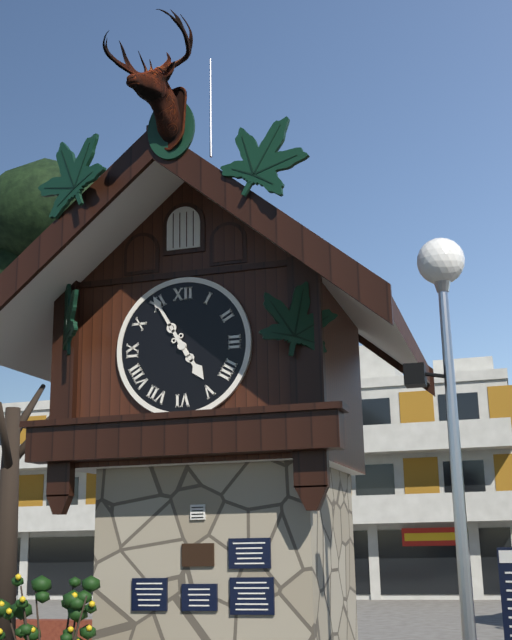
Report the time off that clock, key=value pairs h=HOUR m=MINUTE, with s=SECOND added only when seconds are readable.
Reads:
h=4 m=55
